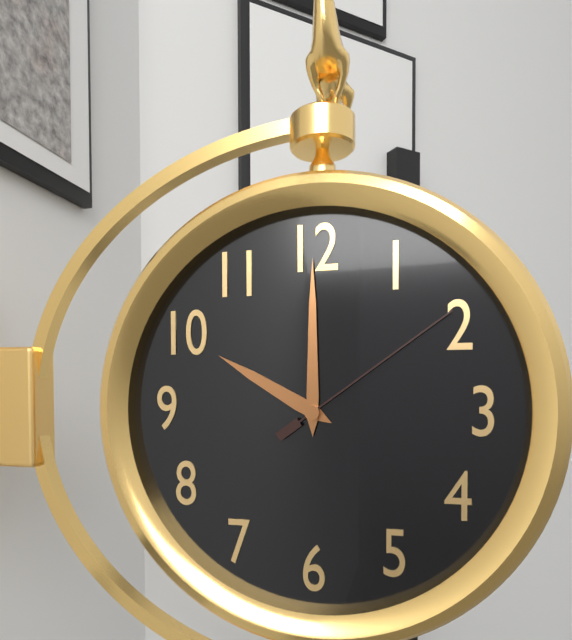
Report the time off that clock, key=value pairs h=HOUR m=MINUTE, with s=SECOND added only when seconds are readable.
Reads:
h=10 m=0 s=9
